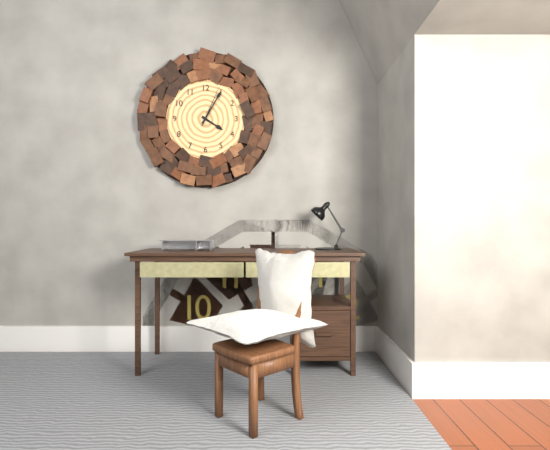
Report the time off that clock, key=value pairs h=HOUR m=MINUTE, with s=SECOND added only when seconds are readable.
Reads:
h=4 m=5
